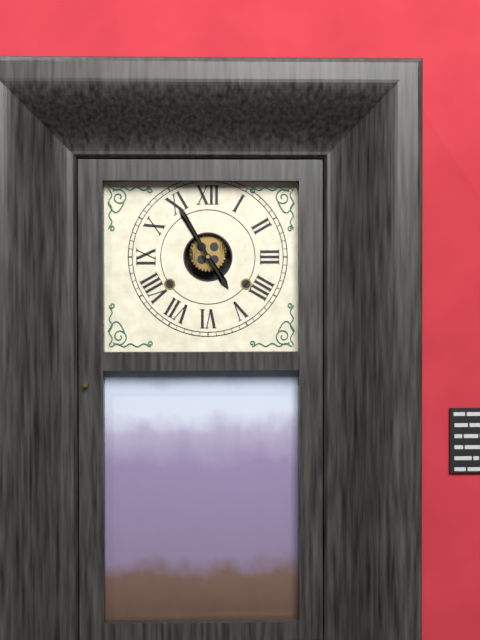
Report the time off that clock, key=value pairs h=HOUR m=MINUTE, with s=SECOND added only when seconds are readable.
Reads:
h=4 m=55
